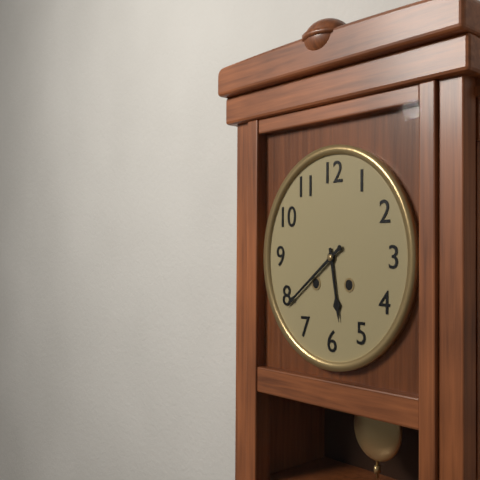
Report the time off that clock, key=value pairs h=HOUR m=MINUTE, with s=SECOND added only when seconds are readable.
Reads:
h=5 m=39
